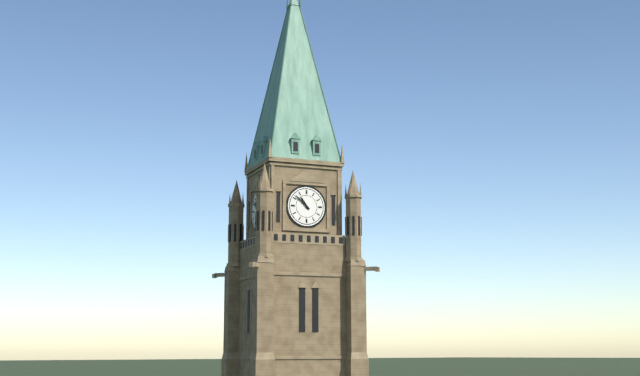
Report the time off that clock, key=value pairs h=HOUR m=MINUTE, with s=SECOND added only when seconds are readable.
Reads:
h=10 m=52
